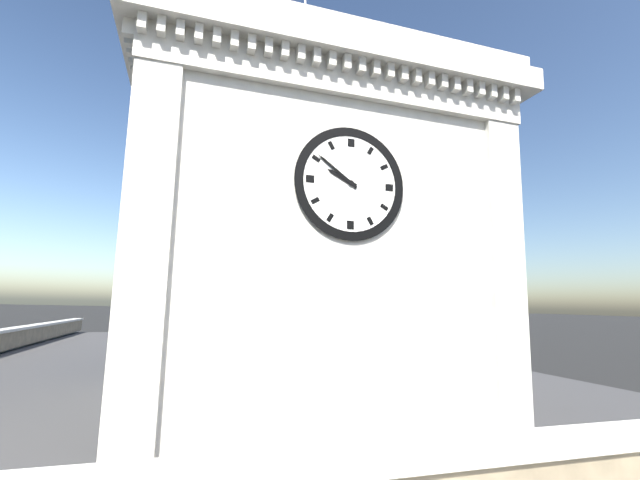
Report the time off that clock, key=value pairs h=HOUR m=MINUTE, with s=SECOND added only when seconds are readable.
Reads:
h=9 m=51
